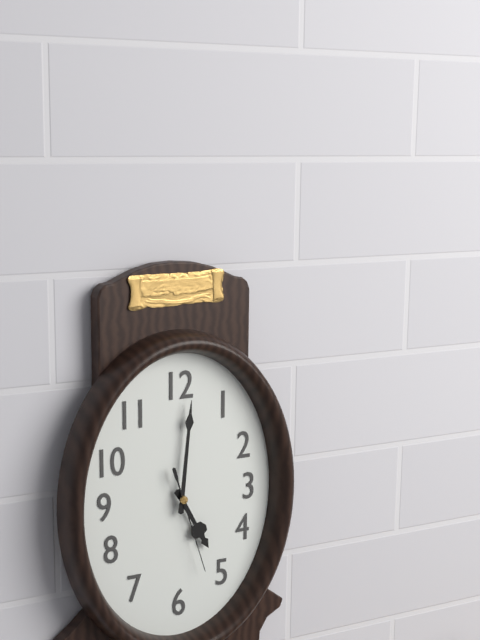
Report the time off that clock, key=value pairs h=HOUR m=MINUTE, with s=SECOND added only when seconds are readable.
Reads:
h=5 m=1 s=27
